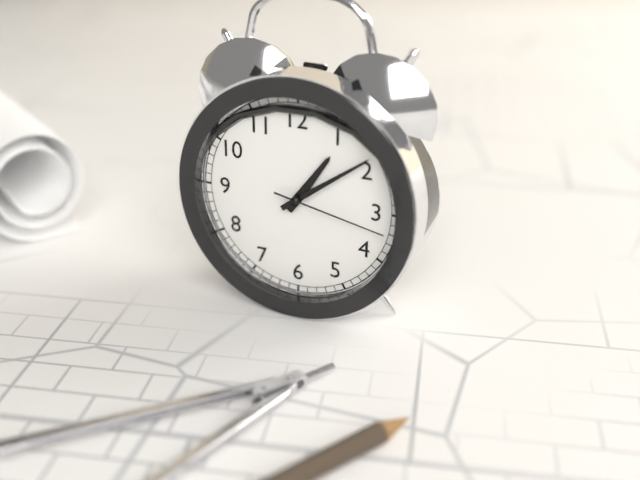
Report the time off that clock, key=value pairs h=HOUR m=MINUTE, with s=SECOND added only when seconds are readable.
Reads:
h=1 m=9 s=17
